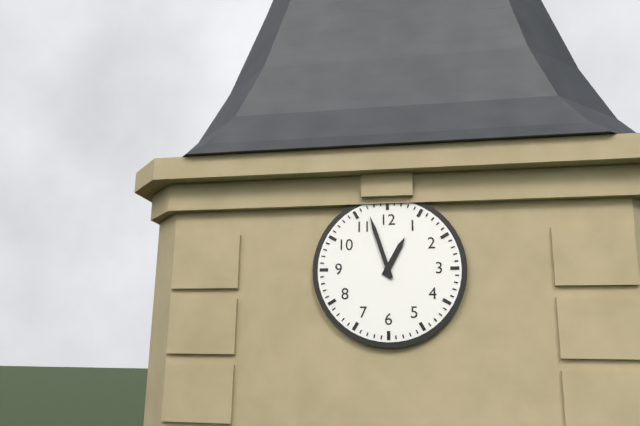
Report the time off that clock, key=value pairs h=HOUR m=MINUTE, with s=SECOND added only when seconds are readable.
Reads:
h=12 m=57
